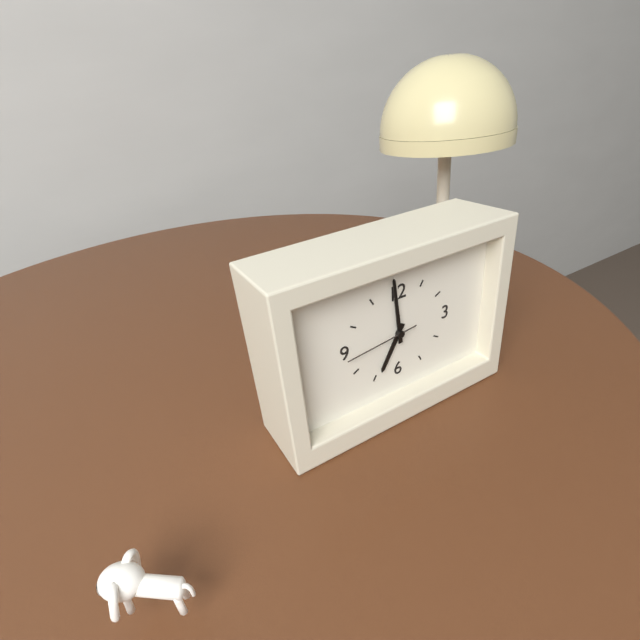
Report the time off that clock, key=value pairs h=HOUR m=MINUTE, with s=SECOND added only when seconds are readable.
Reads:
h=6 m=59 s=44
